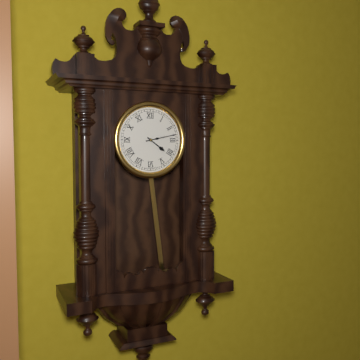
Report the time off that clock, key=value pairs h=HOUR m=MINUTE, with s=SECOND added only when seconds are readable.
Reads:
h=4 m=13
